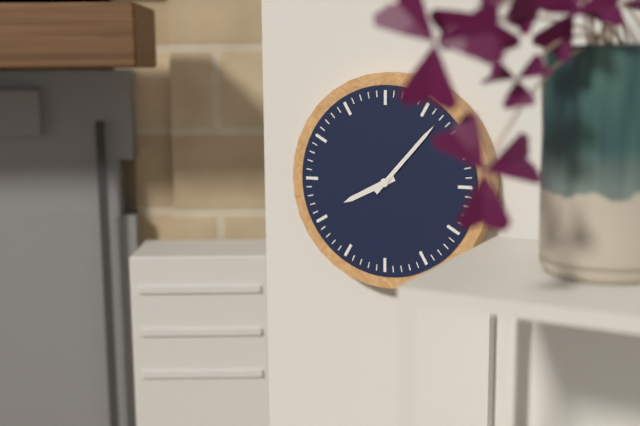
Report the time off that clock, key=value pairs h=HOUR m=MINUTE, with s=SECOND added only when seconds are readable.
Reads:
h=8 m=7
